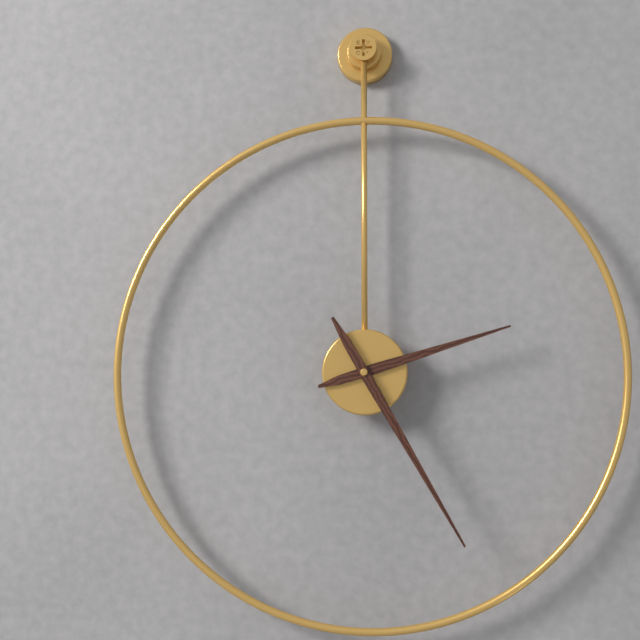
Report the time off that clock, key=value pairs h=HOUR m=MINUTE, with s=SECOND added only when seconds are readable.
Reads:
h=2 m=25
